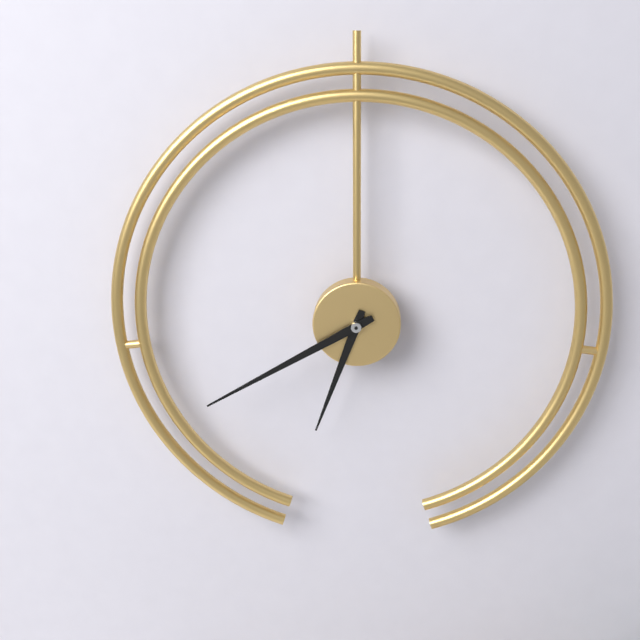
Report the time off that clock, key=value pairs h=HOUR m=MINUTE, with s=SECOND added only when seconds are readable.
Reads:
h=6 m=40
